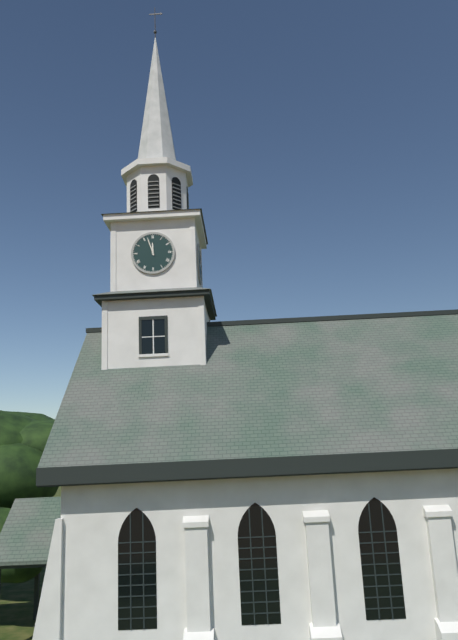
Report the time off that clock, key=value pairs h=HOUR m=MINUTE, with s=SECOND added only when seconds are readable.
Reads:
h=11 m=57
